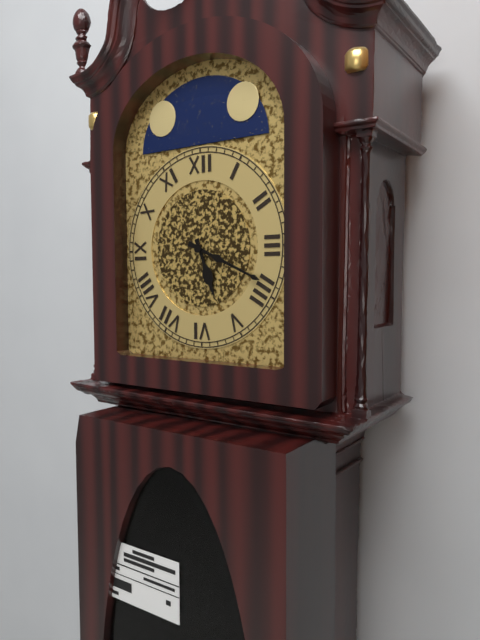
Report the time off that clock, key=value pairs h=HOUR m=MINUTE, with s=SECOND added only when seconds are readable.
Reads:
h=5 m=19
